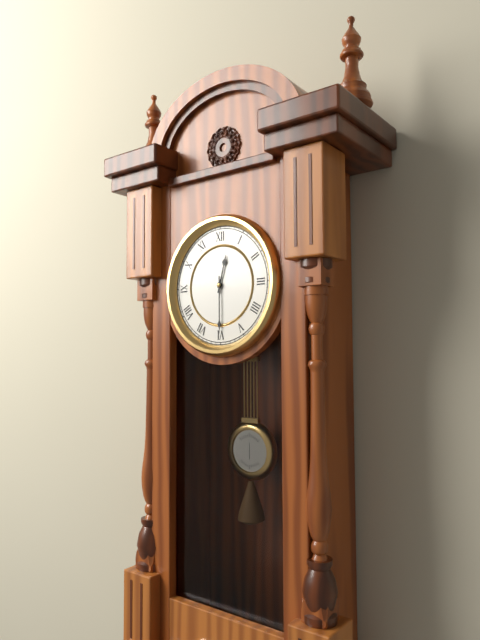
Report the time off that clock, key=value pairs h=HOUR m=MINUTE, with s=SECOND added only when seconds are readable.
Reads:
h=12 m=30
